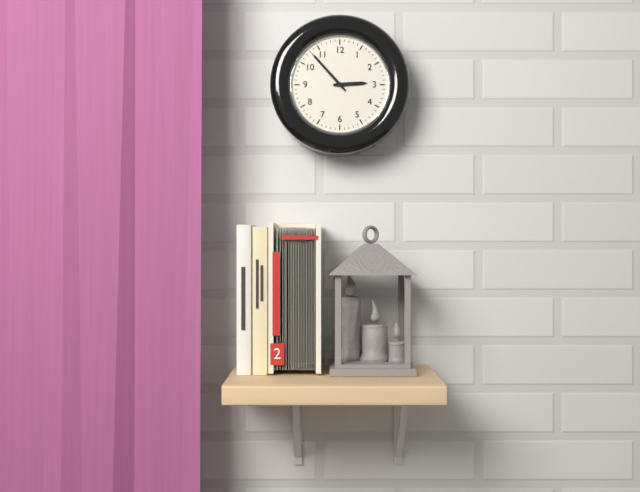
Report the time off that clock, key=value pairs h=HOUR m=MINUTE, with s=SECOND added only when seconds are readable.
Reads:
h=2 m=53
